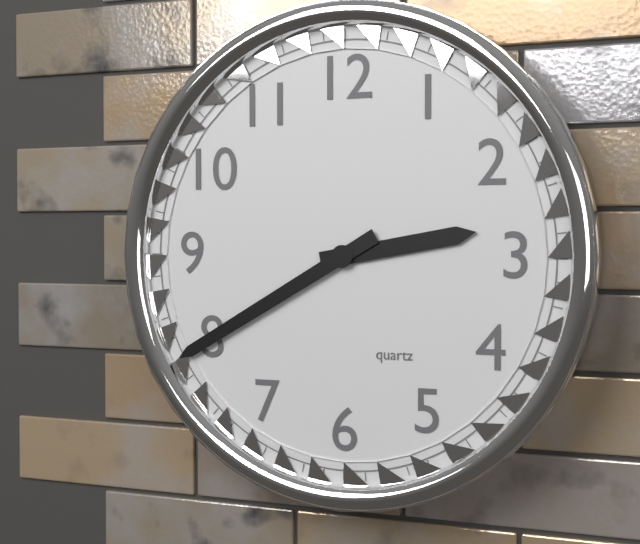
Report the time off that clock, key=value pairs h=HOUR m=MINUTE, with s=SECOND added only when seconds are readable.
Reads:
h=2 m=40
